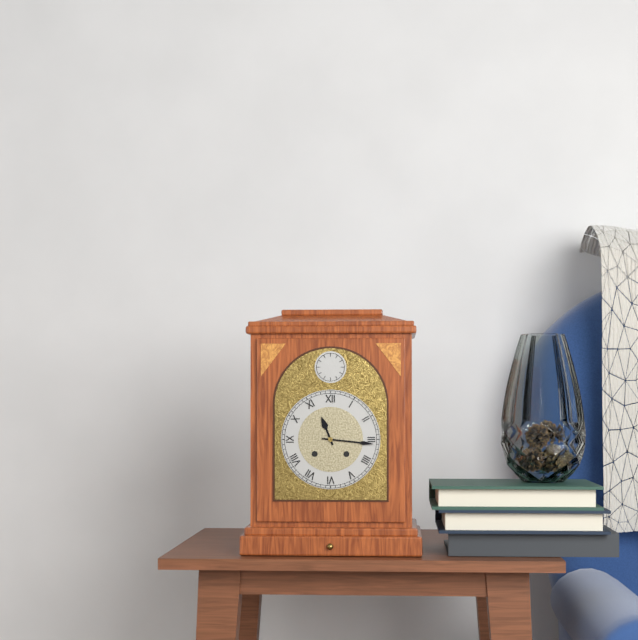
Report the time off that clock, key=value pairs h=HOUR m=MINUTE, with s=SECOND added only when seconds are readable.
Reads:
h=11 m=16
